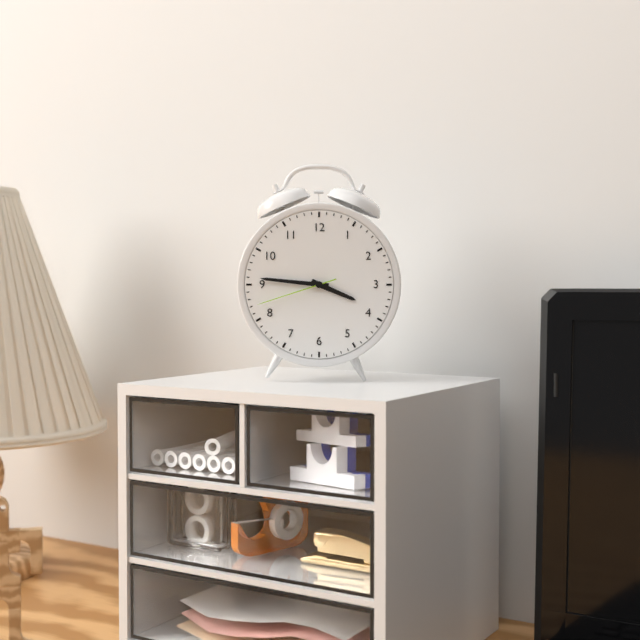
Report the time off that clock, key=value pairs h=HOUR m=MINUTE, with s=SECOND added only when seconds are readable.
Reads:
h=3 m=46 s=42
